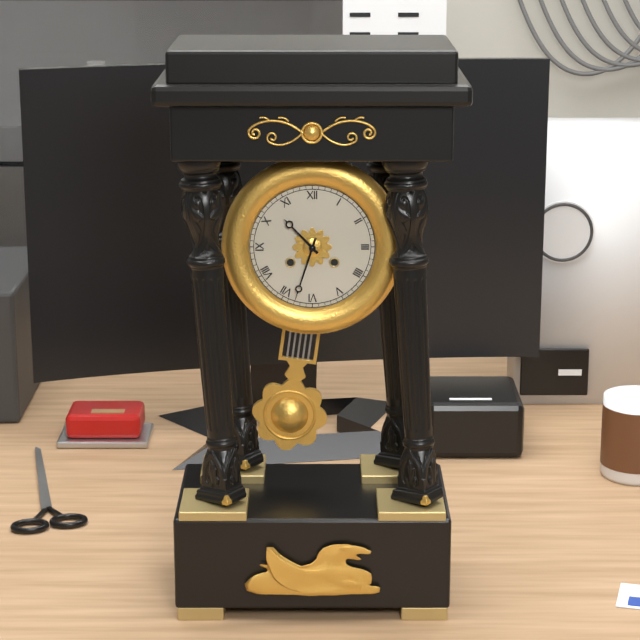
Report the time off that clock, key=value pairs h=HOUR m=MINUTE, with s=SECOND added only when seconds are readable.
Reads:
h=10 m=33
